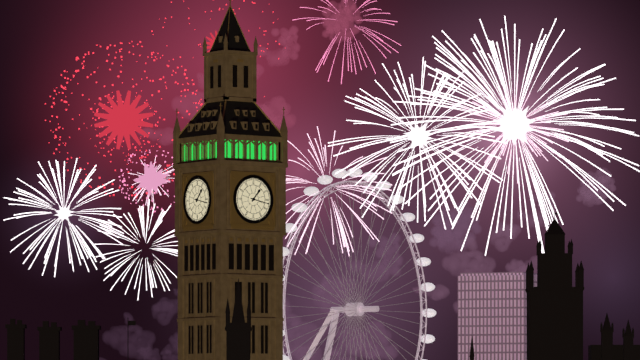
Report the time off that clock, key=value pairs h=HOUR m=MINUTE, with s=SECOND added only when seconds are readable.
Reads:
h=1 m=17
